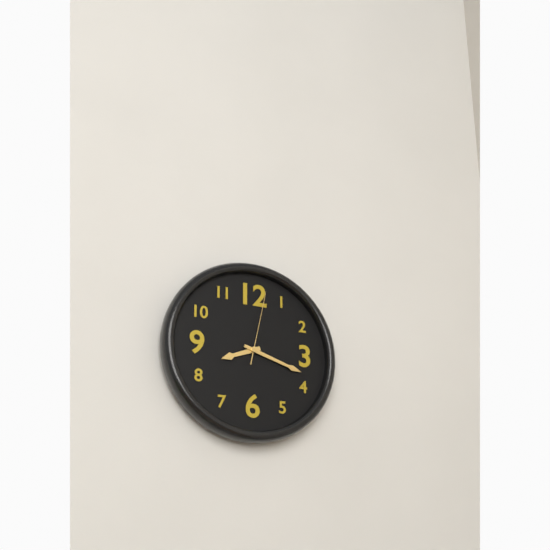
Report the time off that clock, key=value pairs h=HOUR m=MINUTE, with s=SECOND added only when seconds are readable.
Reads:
h=8 m=18 s=2
